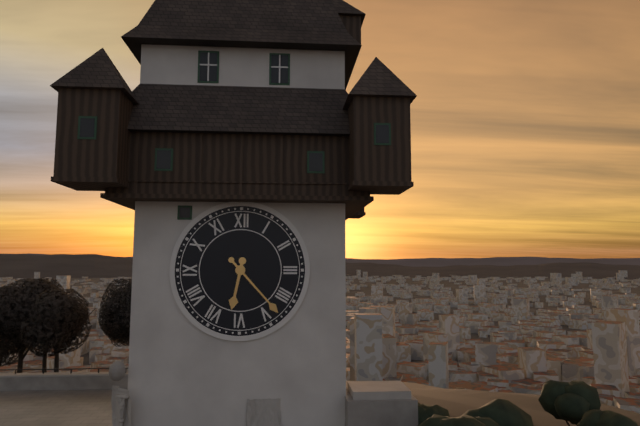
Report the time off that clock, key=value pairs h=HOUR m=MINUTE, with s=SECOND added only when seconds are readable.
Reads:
h=6 m=23
